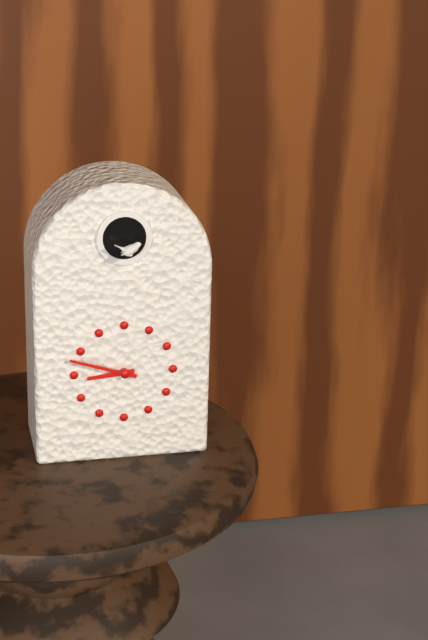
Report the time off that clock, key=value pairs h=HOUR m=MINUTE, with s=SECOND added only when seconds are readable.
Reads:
h=8 m=48
